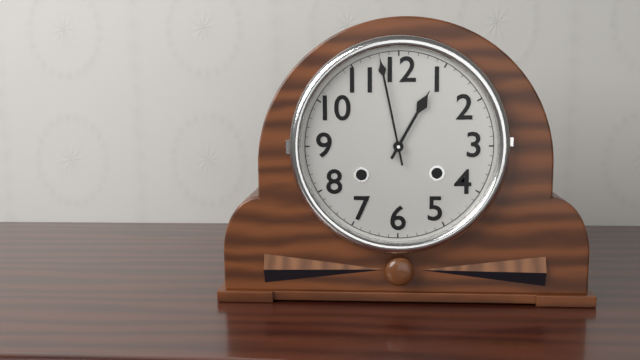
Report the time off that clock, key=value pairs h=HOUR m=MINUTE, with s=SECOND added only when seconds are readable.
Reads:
h=12 m=58
